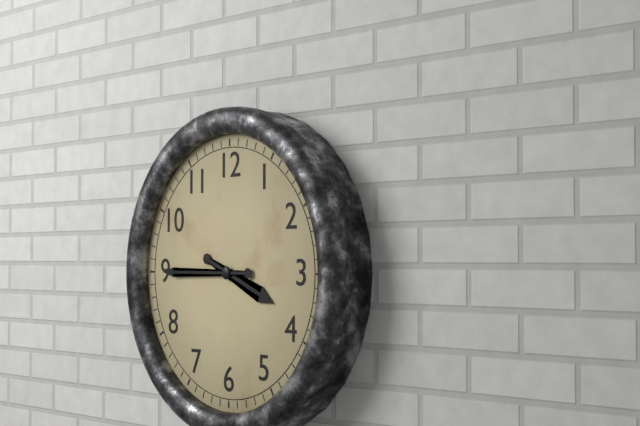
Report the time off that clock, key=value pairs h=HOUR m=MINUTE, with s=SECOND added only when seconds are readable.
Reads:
h=3 m=45
